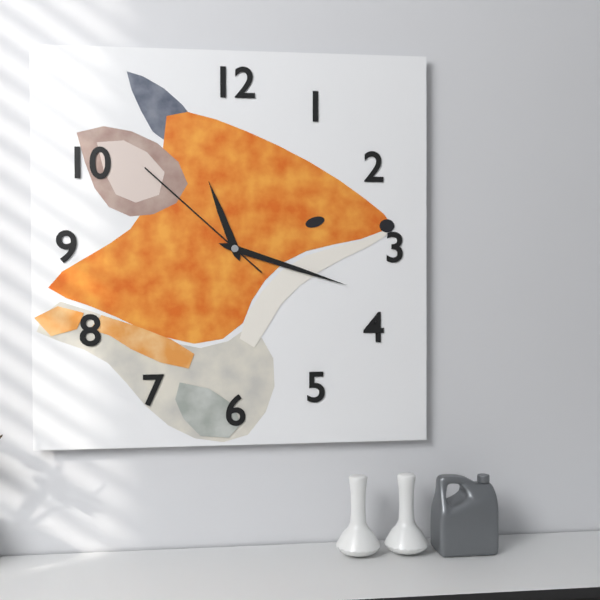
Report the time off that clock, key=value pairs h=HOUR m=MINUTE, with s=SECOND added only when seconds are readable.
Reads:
h=11 m=18 s=52
